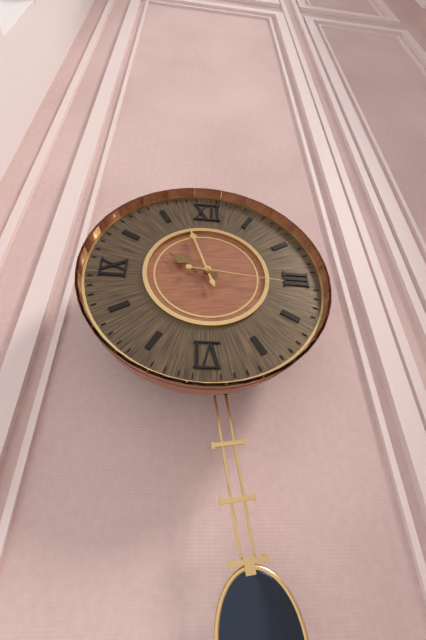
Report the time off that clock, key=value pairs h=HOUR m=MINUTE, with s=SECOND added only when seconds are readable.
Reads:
h=9 m=57 s=16
